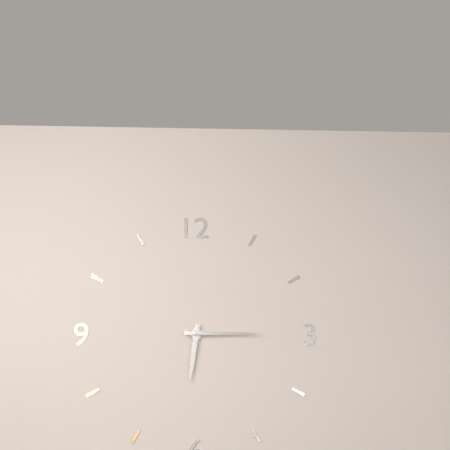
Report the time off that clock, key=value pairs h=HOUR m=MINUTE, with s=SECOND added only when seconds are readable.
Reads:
h=6 m=15
